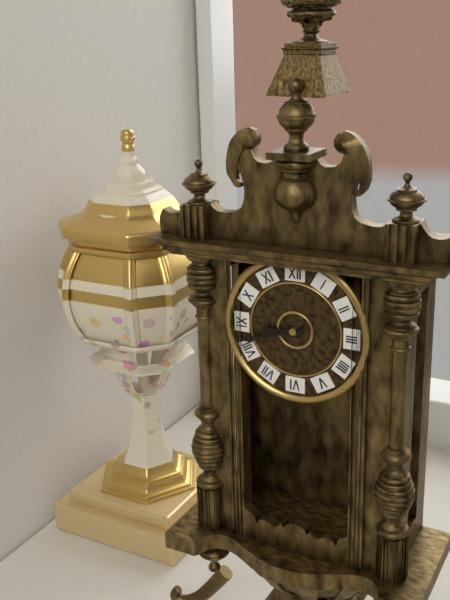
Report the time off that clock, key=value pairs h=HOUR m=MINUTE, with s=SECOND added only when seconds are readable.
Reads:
h=8 m=42
